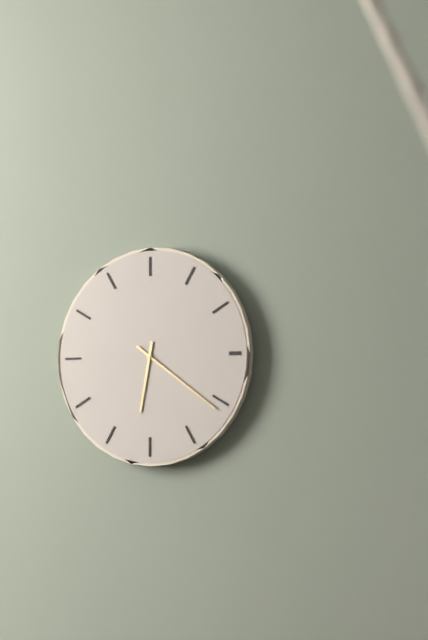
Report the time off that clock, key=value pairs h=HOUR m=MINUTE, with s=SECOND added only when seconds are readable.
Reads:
h=6 m=21
